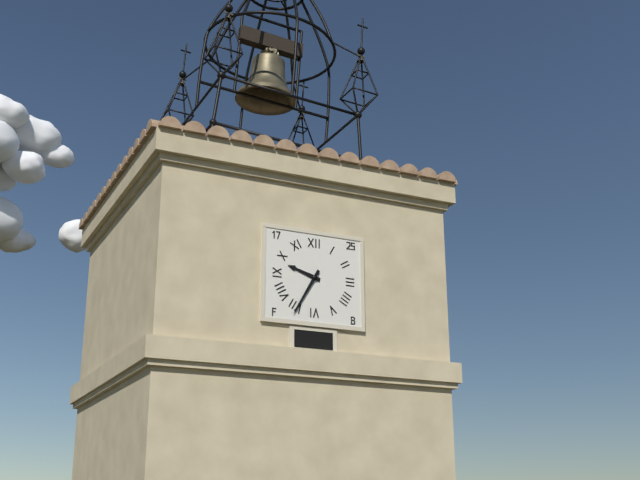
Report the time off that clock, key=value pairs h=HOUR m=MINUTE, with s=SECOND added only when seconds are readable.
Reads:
h=9 m=35
